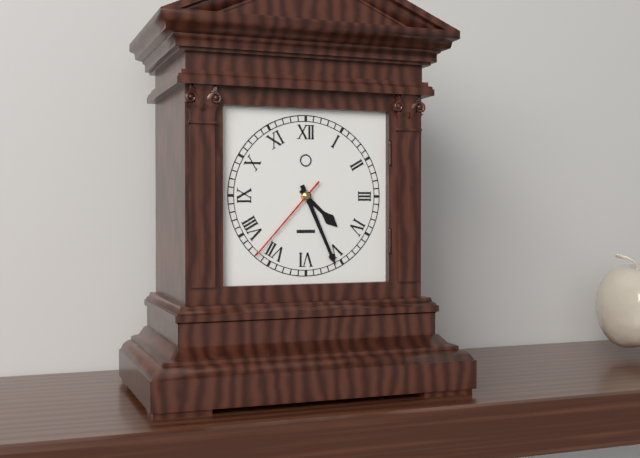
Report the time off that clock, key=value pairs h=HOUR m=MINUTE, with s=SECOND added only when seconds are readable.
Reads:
h=4 m=26 s=37
